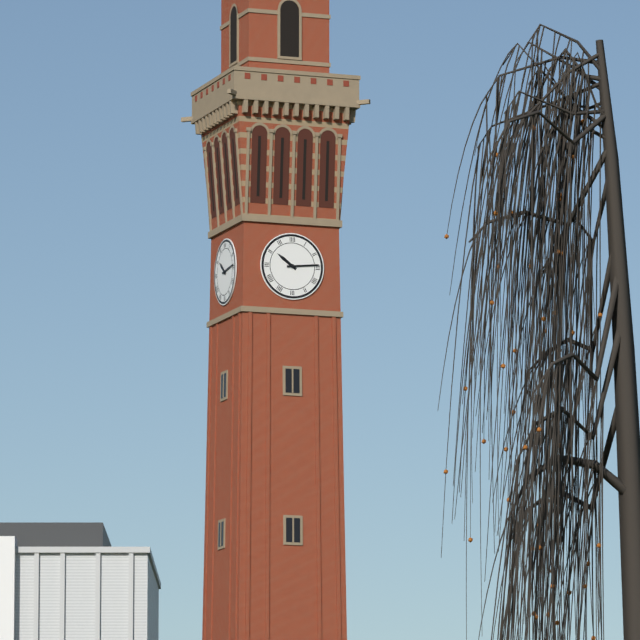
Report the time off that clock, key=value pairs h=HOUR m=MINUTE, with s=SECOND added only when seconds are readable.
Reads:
h=10 m=14
